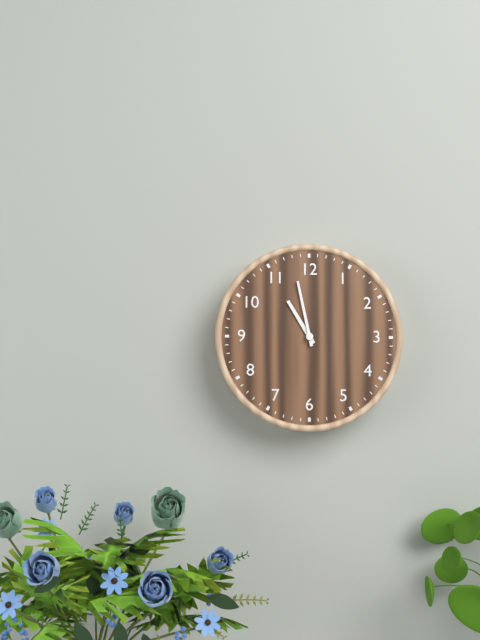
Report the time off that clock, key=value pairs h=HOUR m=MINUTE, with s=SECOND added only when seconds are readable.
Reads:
h=10 m=58
